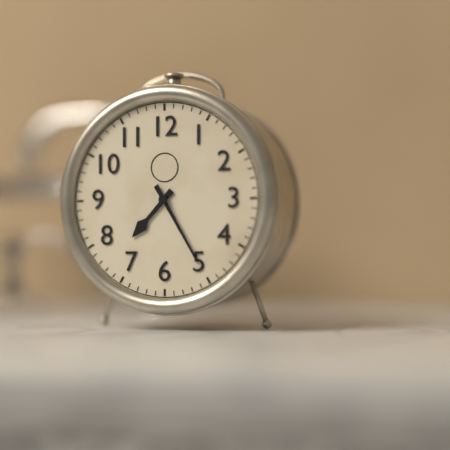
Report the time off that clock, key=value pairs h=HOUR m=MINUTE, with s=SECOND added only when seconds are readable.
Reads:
h=7 m=25
